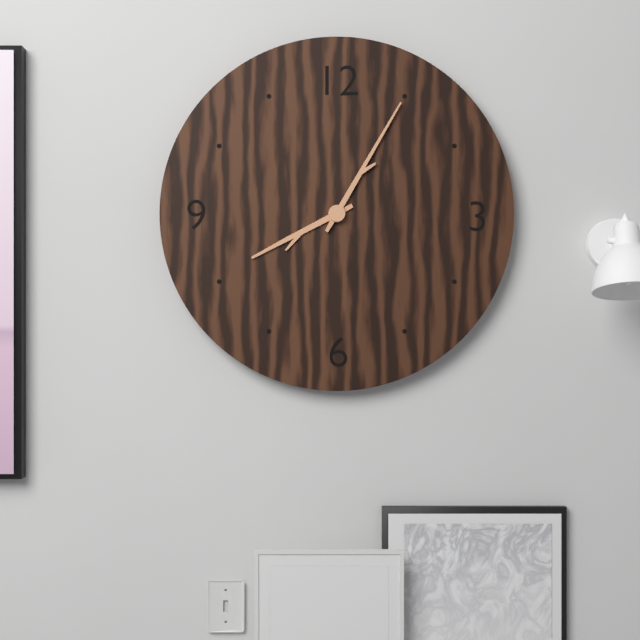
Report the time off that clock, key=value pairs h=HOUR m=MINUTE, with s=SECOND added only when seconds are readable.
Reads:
h=8 m=5
